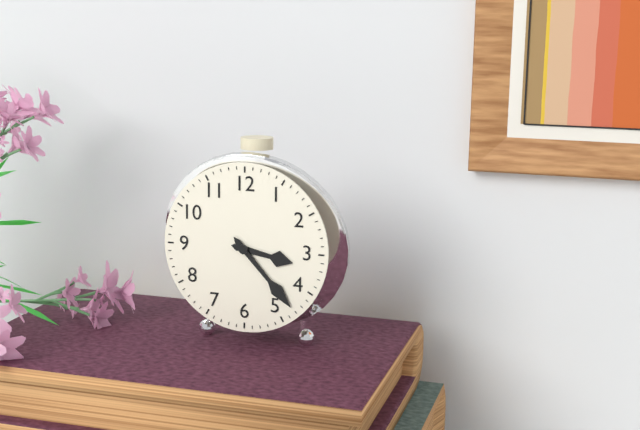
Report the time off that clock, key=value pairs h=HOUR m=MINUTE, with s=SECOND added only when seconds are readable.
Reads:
h=3 m=23
